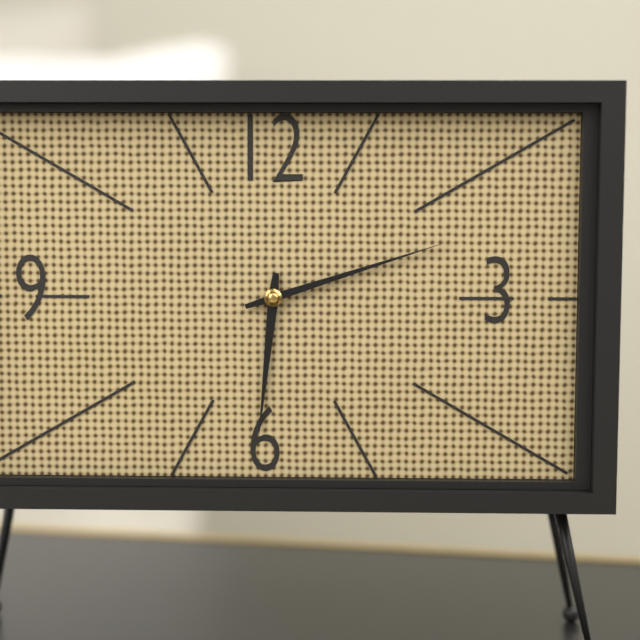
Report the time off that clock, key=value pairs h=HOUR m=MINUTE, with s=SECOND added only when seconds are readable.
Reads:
h=6 m=12
